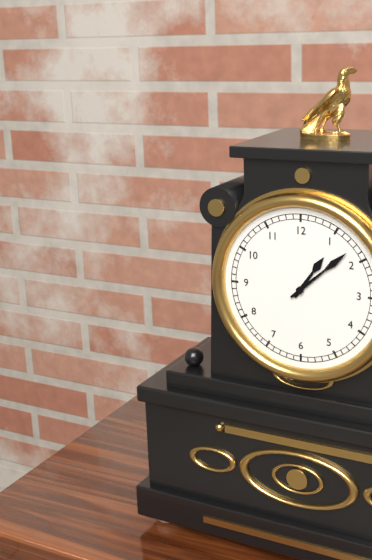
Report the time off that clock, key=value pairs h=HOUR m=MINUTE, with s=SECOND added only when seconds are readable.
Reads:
h=1 m=8
